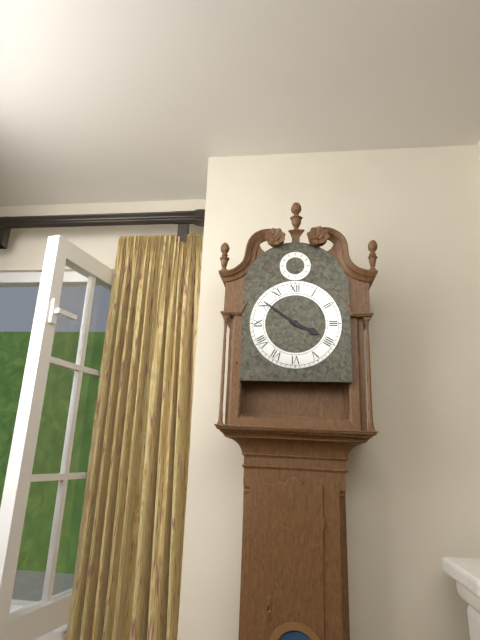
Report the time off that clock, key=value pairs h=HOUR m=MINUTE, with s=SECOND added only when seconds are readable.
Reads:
h=3 m=51
